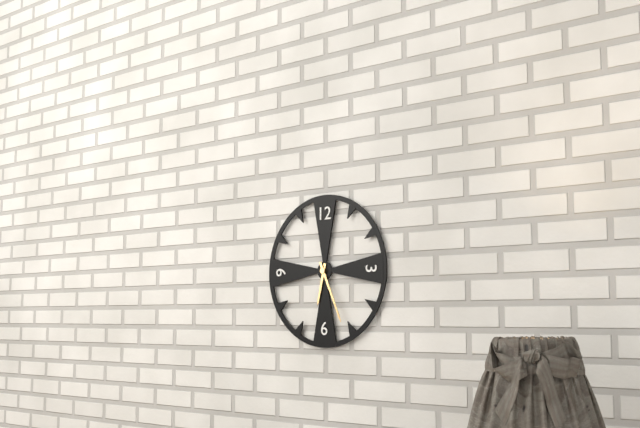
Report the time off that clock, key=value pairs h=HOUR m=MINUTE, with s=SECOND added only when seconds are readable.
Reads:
h=6 m=26
